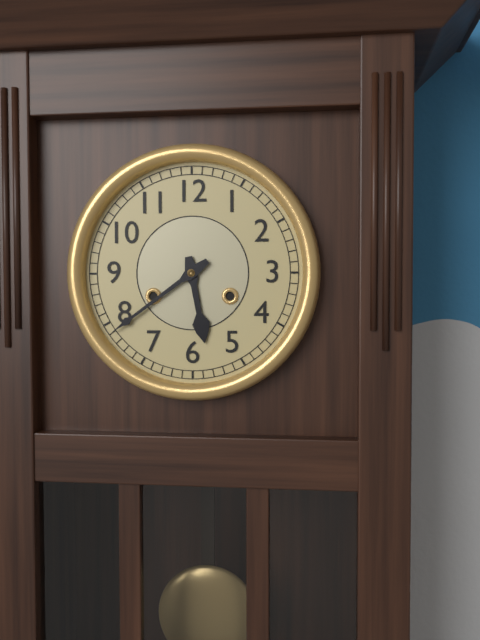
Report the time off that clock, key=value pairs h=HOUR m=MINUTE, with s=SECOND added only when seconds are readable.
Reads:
h=5 m=39
